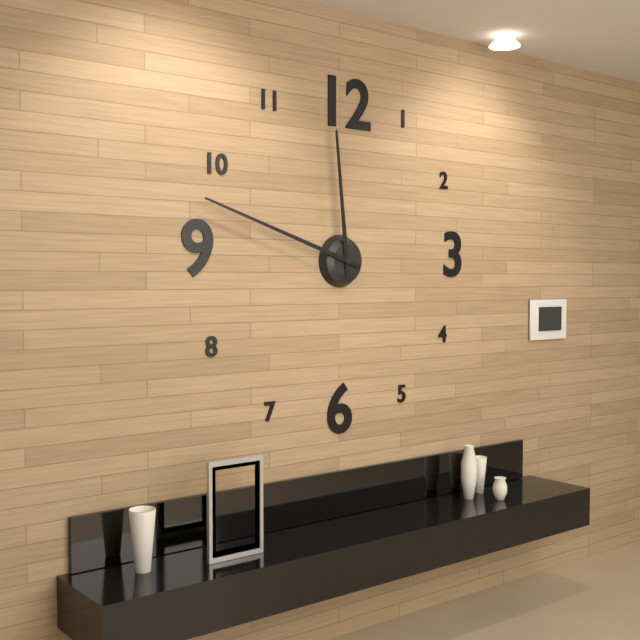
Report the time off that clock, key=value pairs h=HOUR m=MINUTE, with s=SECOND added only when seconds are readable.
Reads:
h=11 m=48
